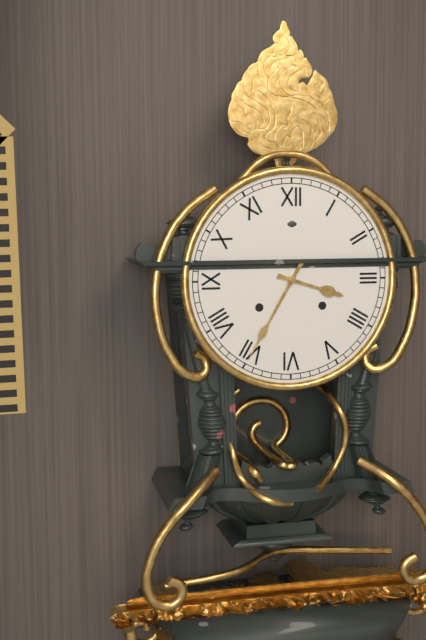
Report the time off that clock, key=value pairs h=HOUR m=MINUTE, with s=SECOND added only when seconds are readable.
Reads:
h=3 m=35
